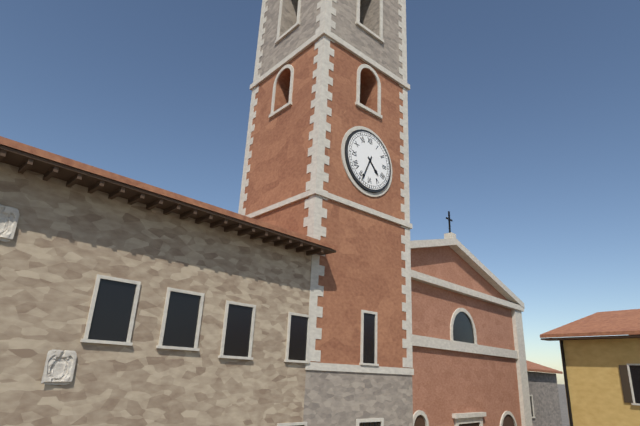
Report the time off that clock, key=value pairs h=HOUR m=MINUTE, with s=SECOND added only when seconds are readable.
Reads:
h=4 m=34
